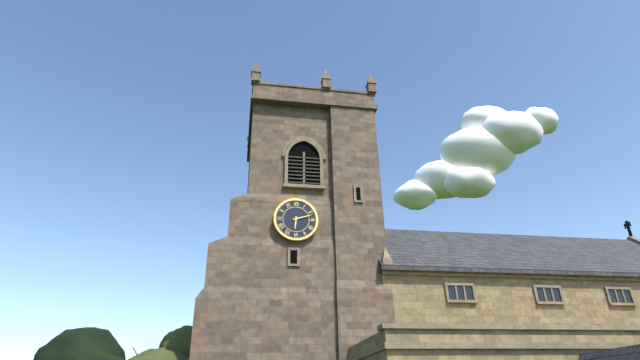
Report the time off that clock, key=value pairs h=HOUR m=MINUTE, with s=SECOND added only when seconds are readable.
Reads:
h=6 m=12
